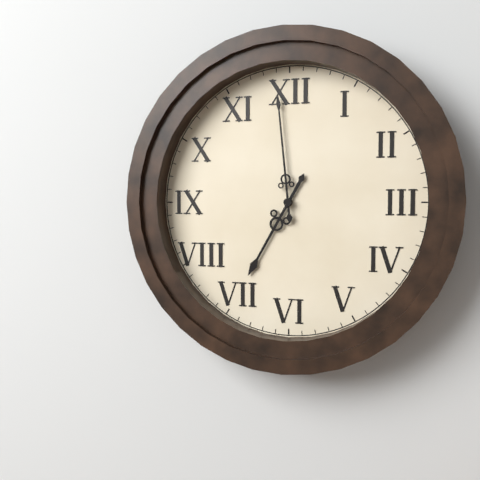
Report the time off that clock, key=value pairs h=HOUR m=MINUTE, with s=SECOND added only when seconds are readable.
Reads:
h=6 m=59
